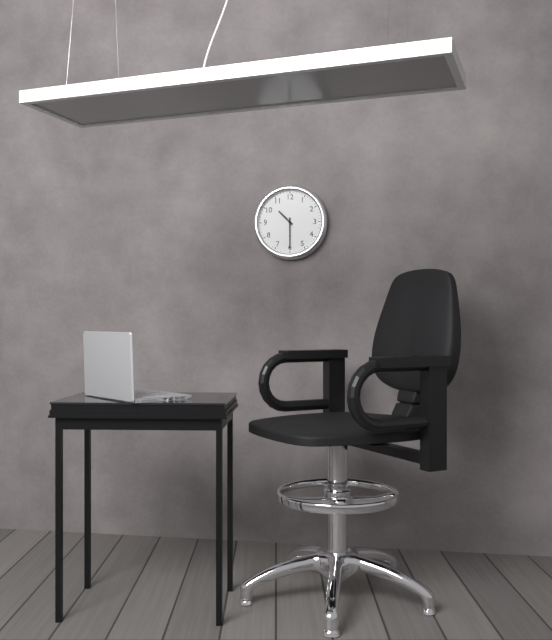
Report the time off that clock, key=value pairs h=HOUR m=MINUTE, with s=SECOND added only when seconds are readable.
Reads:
h=10 m=30
